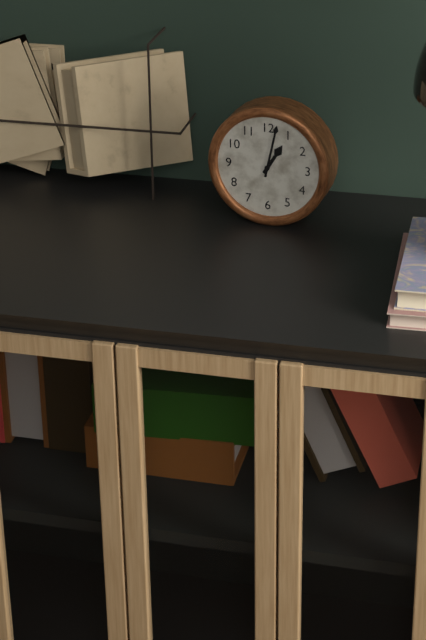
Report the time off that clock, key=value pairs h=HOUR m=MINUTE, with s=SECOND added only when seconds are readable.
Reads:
h=1 m=2
